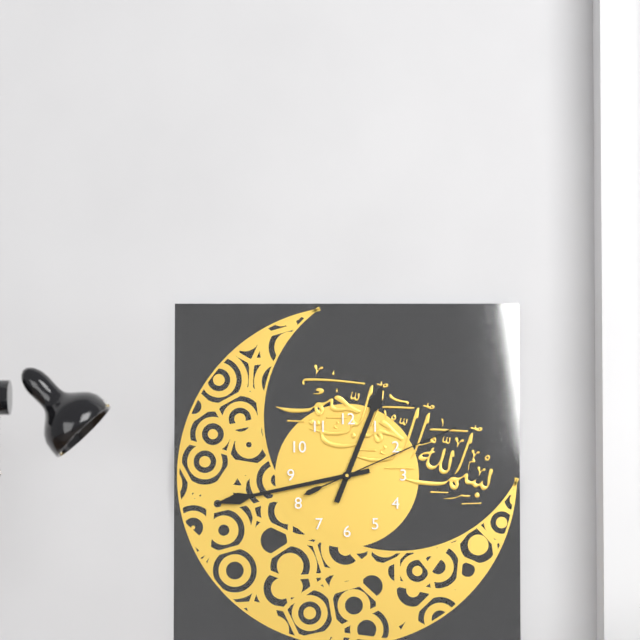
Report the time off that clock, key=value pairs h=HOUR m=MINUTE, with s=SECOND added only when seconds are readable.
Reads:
h=12 m=43 s=11
